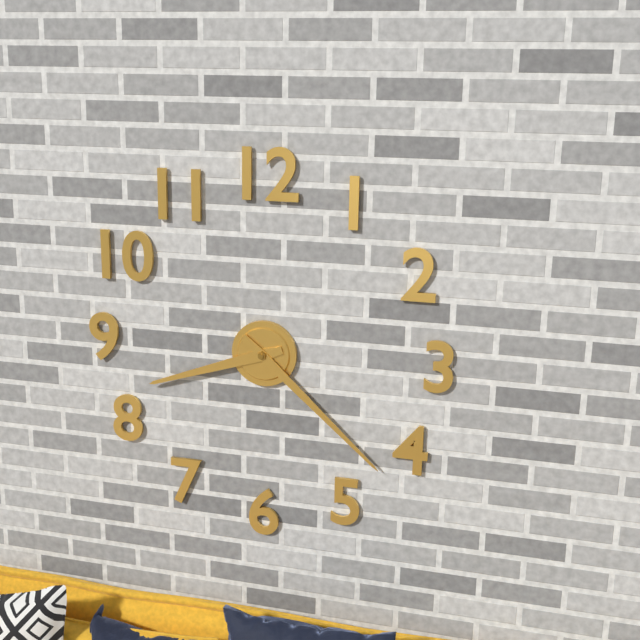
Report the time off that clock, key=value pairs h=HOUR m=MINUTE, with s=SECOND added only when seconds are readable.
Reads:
h=8 m=22
